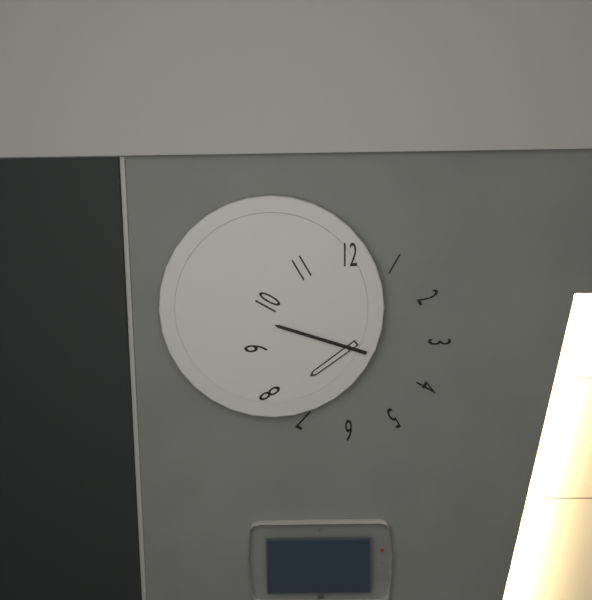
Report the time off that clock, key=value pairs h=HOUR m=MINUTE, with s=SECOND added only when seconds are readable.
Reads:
h=7 m=48
